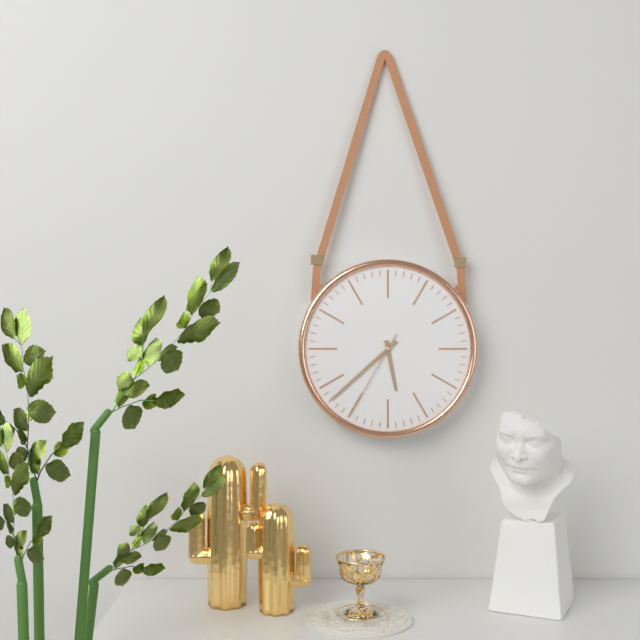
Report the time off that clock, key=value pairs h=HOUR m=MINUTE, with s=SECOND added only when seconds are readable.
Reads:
h=5 m=38 s=35
